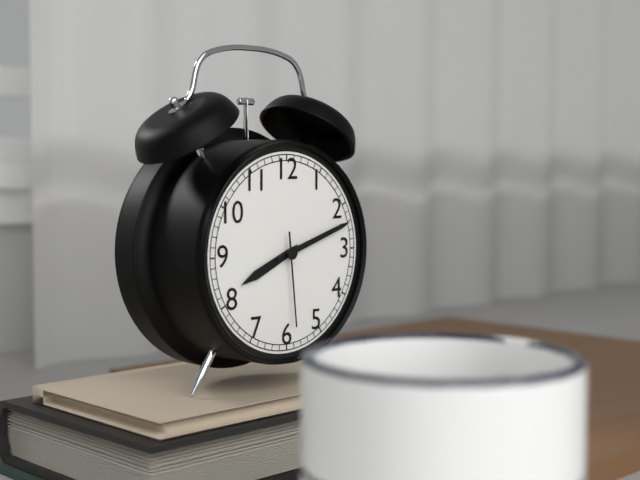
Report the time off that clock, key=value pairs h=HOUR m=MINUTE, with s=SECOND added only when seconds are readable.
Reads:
h=8 m=12 s=29
